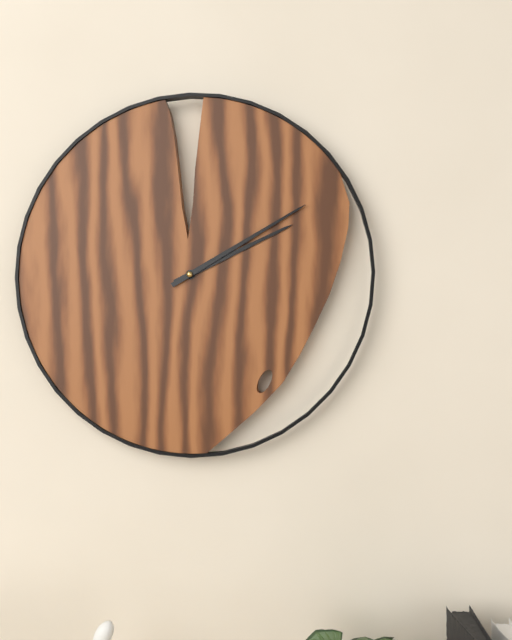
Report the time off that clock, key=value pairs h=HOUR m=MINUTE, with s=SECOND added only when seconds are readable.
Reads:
h=2 m=10
